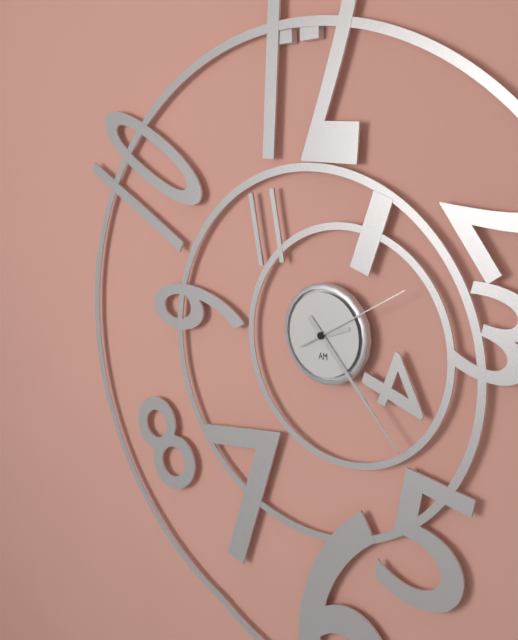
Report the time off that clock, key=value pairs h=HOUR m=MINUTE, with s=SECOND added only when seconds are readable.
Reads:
h=2 m=23 s=10
